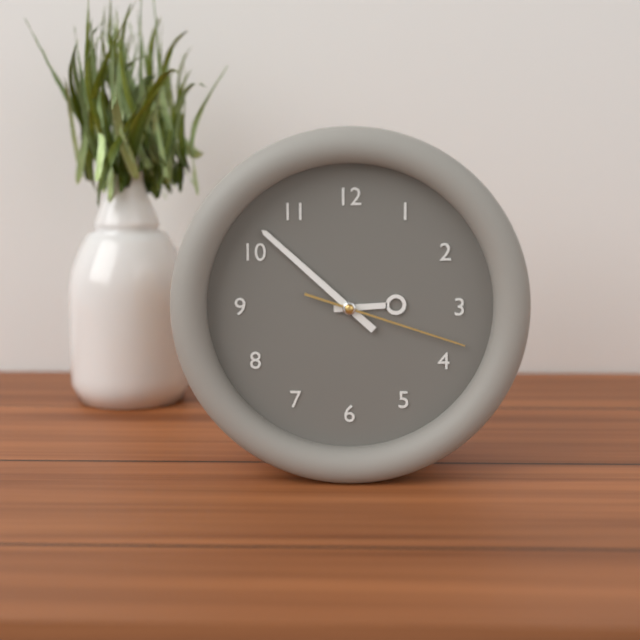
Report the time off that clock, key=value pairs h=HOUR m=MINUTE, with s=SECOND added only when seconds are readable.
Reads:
h=2 m=52 s=18
